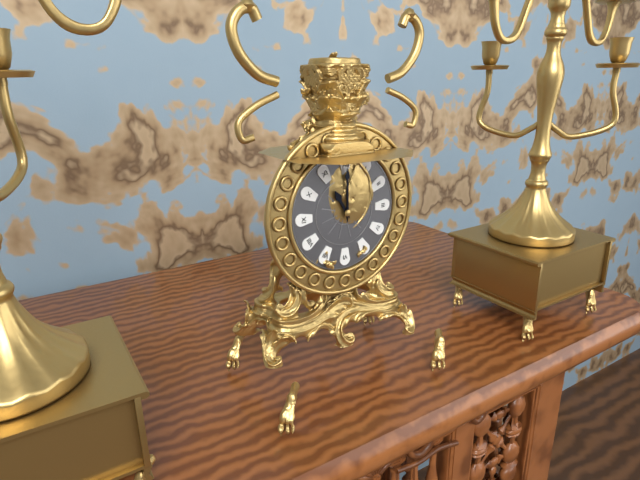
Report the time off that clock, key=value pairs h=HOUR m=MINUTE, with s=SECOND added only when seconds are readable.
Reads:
h=11 m=0
